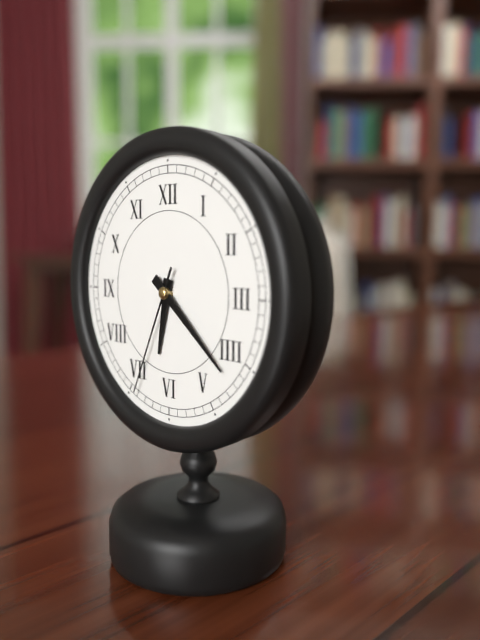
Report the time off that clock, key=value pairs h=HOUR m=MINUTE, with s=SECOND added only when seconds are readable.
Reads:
h=6 m=22 s=34
